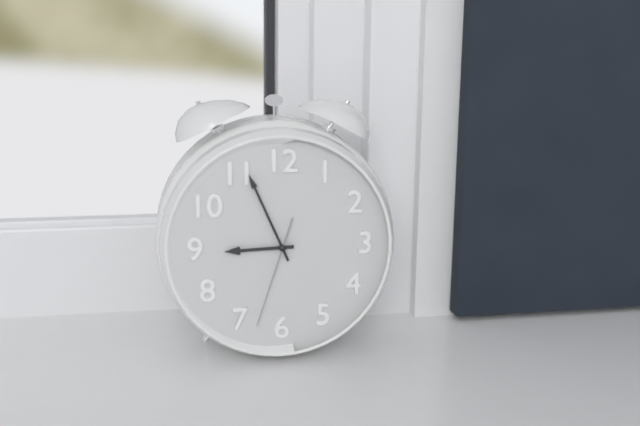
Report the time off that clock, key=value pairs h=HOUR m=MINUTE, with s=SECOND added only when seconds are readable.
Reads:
h=8 m=56 s=33
